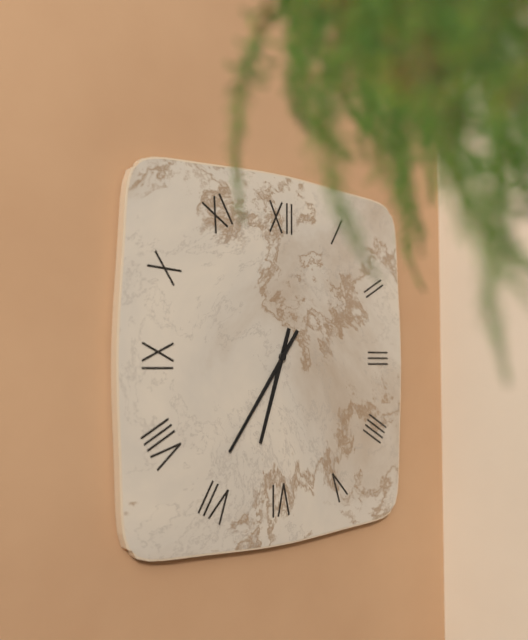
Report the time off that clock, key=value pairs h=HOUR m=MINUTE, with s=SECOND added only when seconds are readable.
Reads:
h=6 m=36
